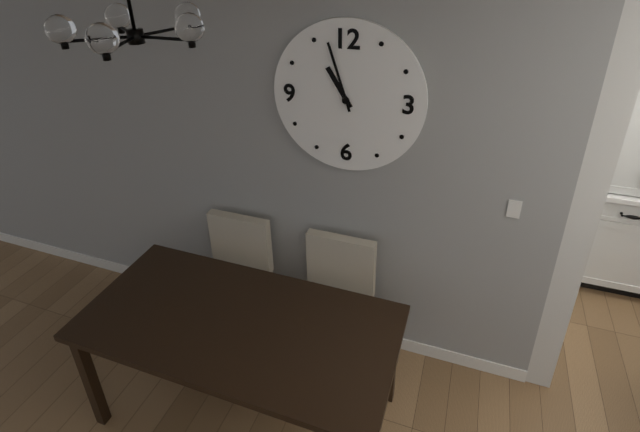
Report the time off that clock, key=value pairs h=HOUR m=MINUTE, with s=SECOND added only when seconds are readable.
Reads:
h=10 m=57
